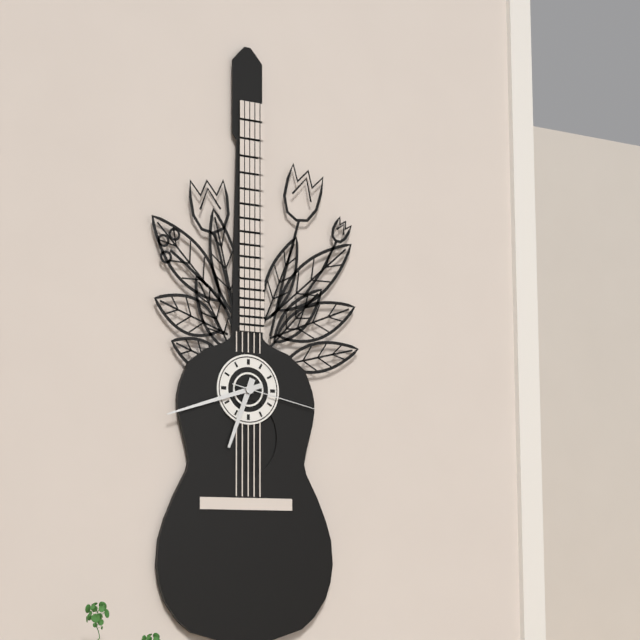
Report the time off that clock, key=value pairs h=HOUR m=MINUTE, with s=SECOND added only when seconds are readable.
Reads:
h=6 m=42 s=17
